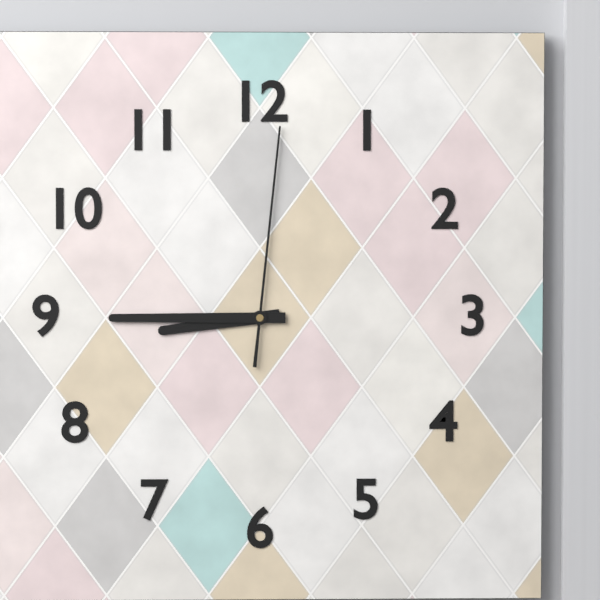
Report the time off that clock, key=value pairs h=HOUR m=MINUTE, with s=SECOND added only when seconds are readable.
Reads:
h=8 m=45 s=1
